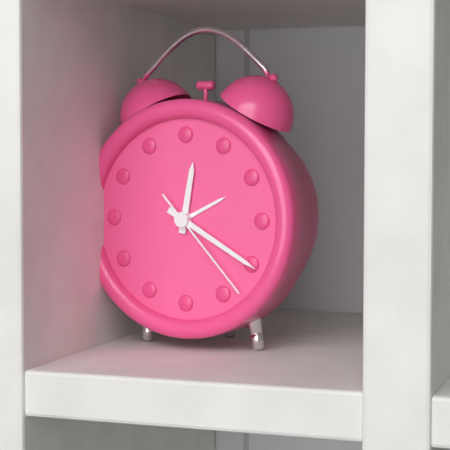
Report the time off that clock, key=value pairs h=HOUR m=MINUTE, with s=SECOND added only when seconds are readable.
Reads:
h=12 m=20 s=23
